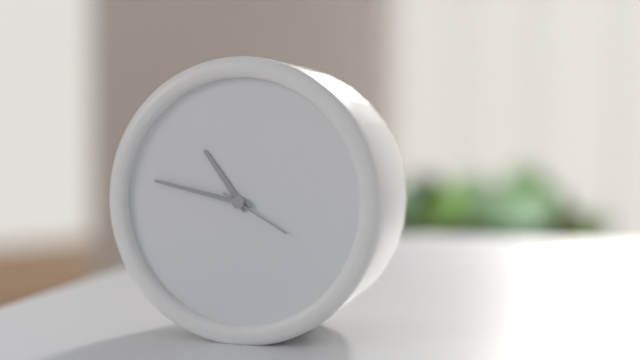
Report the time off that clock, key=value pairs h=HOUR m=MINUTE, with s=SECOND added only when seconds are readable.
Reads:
h=10 m=47 s=20
